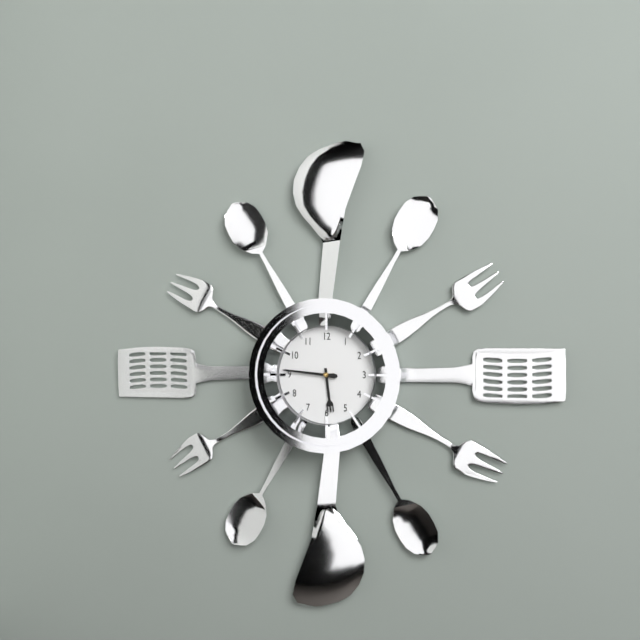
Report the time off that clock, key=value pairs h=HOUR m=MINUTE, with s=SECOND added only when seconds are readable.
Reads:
h=5 m=46
